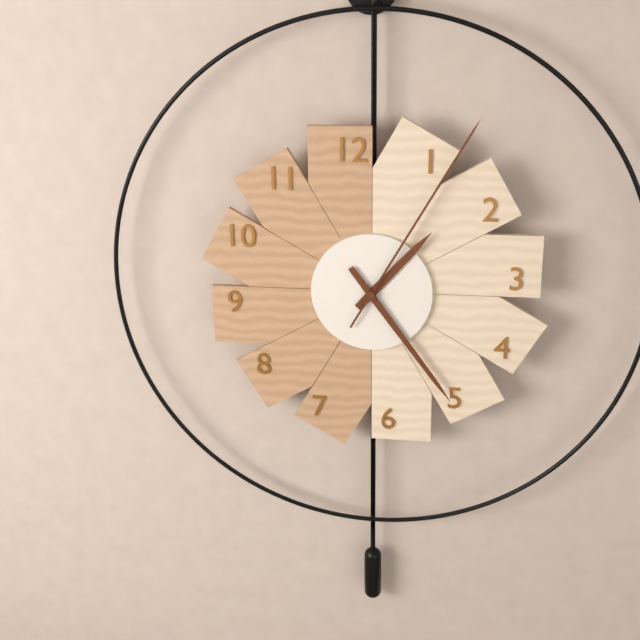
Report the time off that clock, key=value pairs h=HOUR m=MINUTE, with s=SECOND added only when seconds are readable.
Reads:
h=1 m=24 s=5
